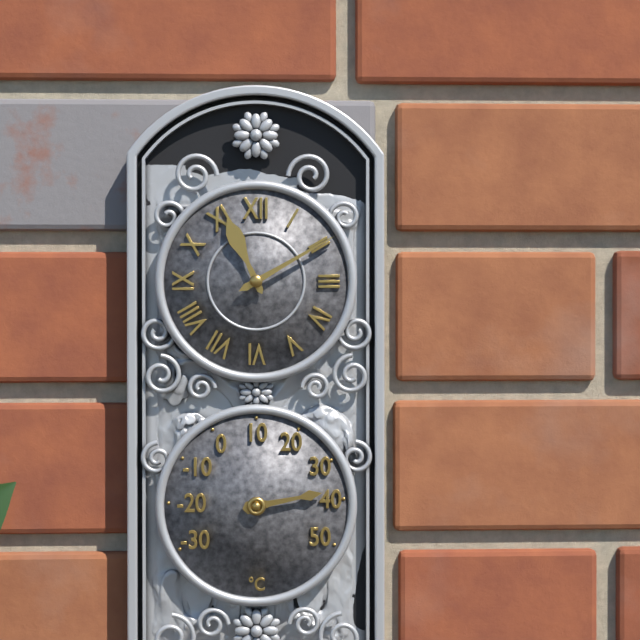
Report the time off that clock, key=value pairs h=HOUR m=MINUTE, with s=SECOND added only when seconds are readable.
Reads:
h=11 m=10
